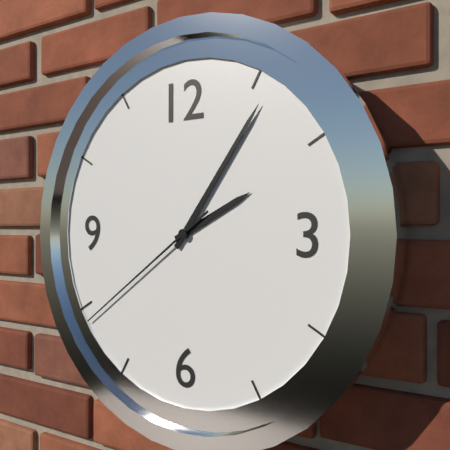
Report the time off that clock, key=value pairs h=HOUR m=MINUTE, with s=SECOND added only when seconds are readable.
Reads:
h=2 m=6 s=39
